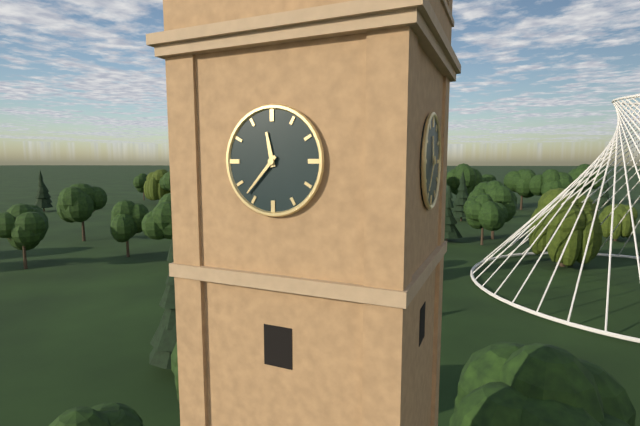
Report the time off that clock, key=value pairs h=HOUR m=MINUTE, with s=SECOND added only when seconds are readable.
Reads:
h=11 m=37
